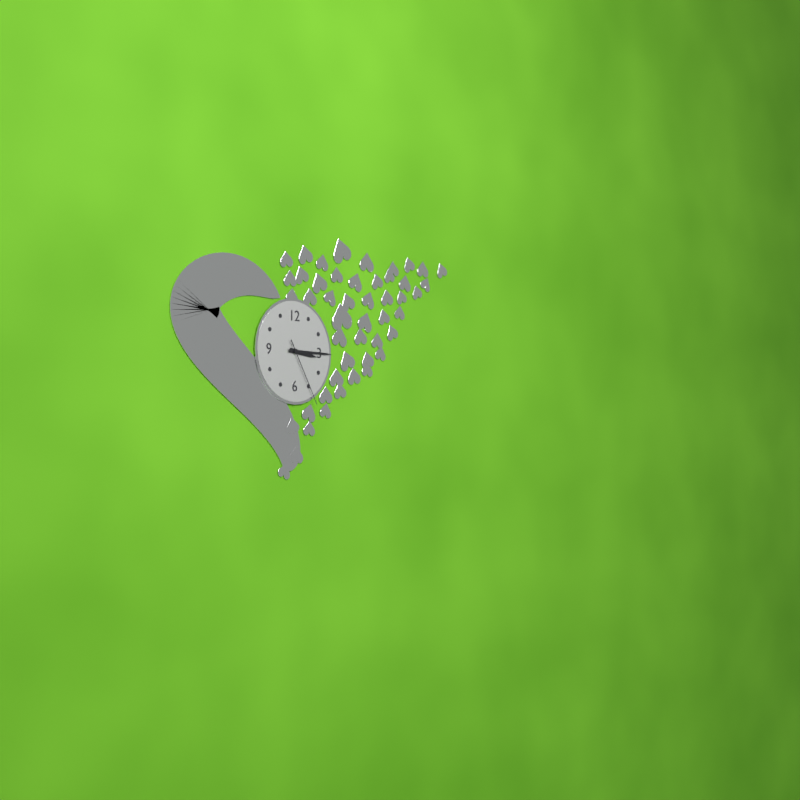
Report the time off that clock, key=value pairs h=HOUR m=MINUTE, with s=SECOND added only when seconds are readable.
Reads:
h=3 m=15 s=25
